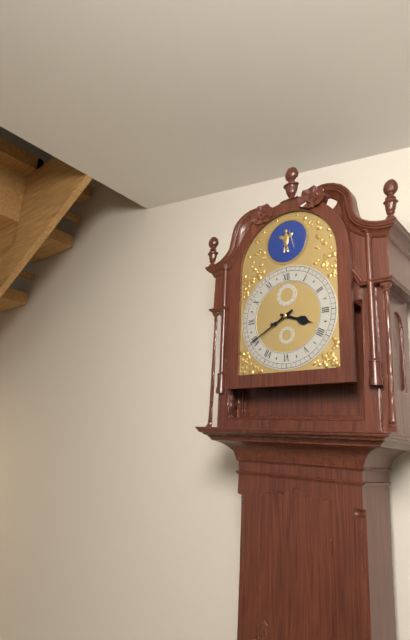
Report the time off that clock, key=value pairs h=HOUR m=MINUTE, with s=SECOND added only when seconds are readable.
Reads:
h=3 m=40
